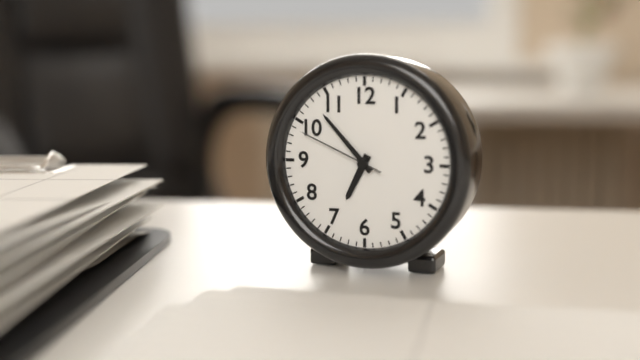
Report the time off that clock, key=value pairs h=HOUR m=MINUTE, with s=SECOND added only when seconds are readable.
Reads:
h=6 m=53 s=49
